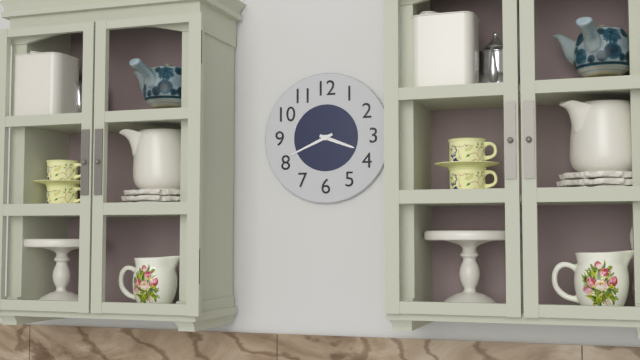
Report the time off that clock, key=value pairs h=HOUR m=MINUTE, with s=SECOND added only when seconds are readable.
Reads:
h=3 m=41
